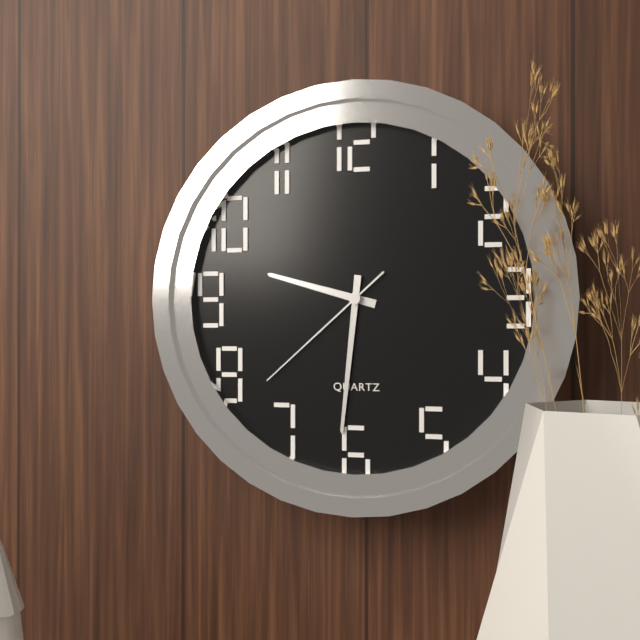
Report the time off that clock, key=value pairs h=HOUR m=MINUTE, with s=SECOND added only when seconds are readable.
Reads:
h=9 m=31 s=38
